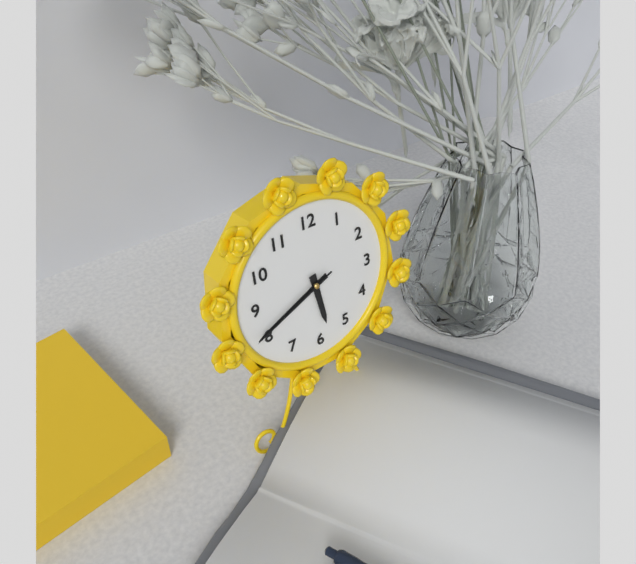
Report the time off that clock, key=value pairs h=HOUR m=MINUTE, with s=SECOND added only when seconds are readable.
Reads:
h=5 m=41 s=41
